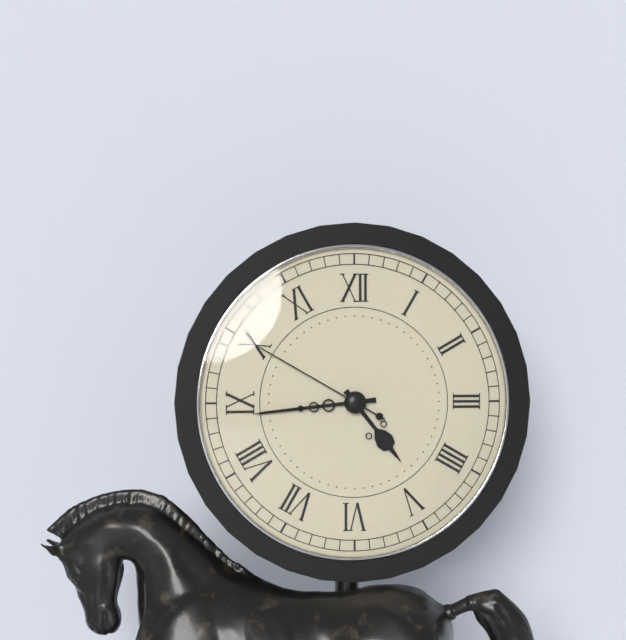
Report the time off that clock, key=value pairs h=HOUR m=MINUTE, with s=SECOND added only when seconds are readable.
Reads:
h=4 m=44 s=50
